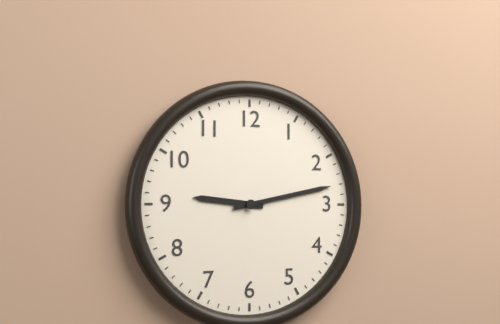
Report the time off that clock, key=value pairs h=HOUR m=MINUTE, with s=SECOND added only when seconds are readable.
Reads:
h=9 m=13
